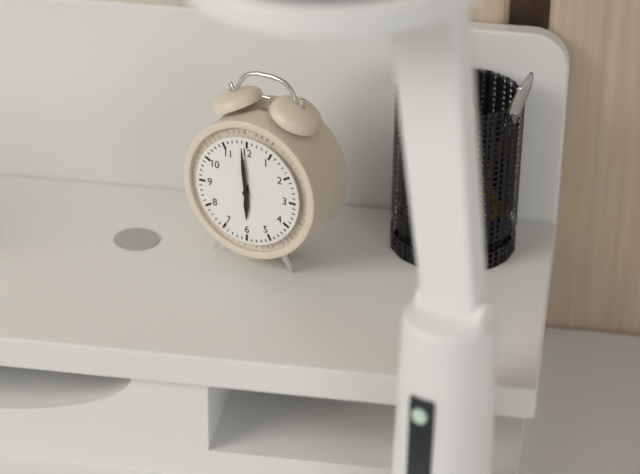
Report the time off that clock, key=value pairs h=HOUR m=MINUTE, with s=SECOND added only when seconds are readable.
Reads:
h=5 m=59
